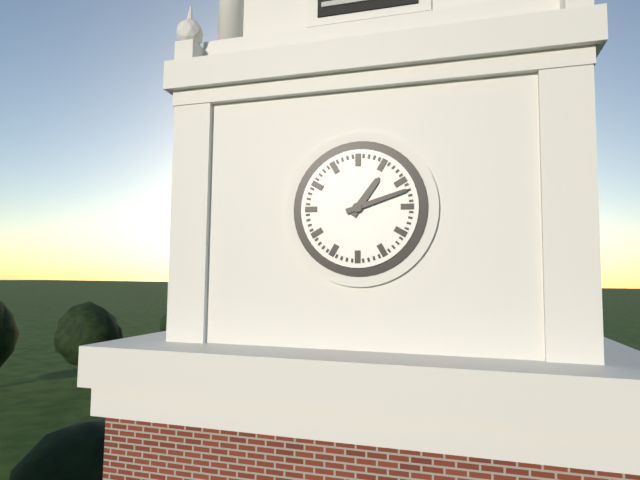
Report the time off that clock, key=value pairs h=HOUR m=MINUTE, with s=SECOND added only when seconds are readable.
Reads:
h=1 m=12
